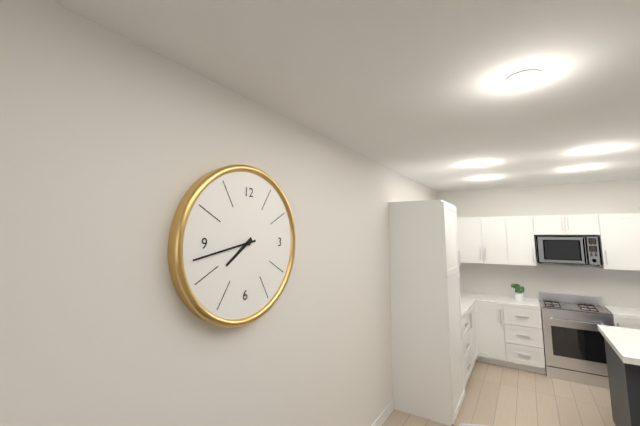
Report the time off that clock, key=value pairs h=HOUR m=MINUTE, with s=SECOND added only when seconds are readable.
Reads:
h=7 m=43
